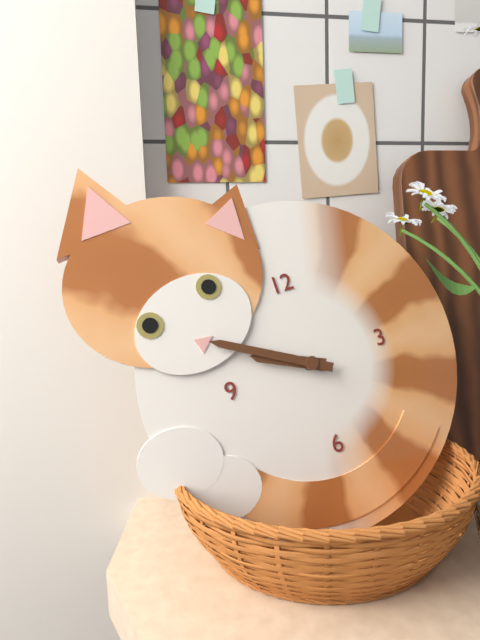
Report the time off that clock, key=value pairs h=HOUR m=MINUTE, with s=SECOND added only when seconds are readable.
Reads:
h=9 m=50
